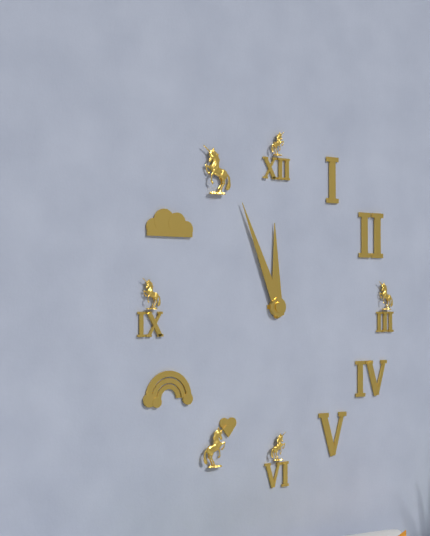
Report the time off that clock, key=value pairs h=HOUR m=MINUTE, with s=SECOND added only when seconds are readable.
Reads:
h=11 m=56
